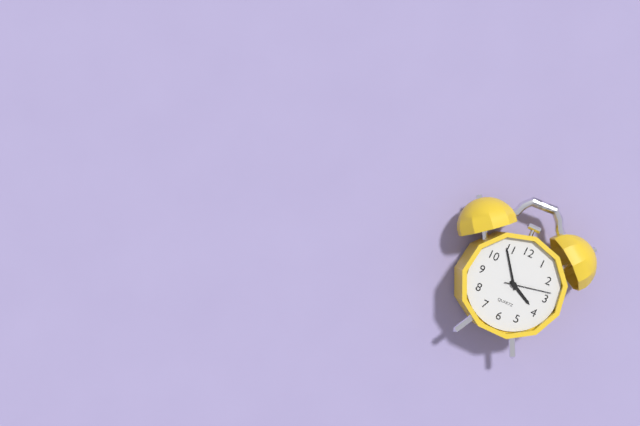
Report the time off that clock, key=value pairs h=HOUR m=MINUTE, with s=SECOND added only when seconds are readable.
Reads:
h=3 m=54
